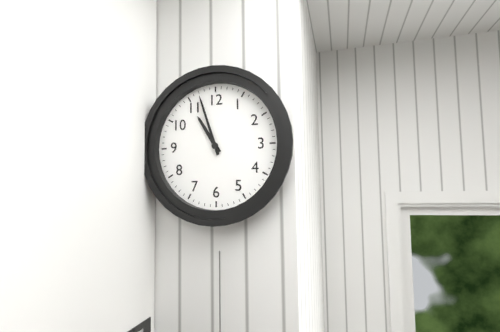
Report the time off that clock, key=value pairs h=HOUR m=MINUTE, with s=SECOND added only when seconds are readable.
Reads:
h=10 m=57
